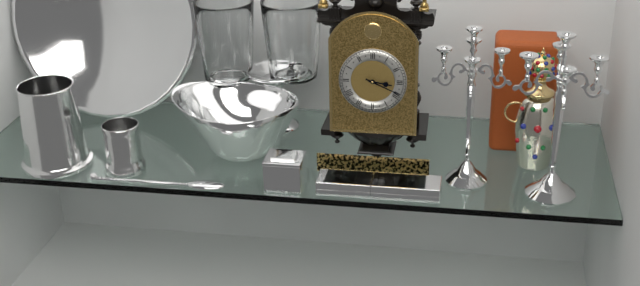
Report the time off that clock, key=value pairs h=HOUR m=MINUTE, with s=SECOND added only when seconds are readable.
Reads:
h=3 m=19
